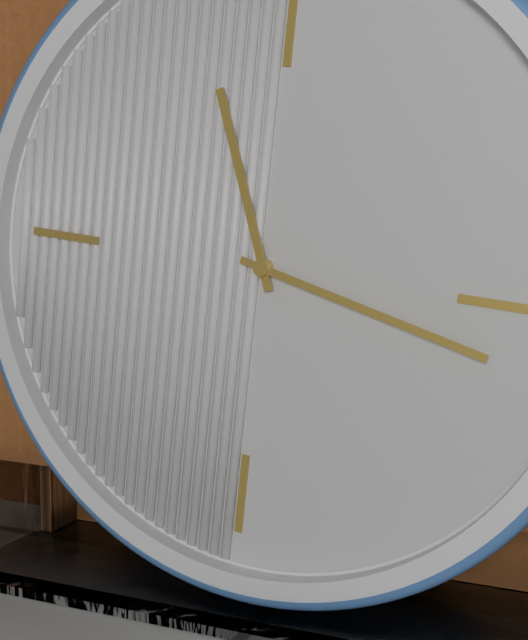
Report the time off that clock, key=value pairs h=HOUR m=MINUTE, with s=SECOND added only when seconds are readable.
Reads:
h=11 m=17
